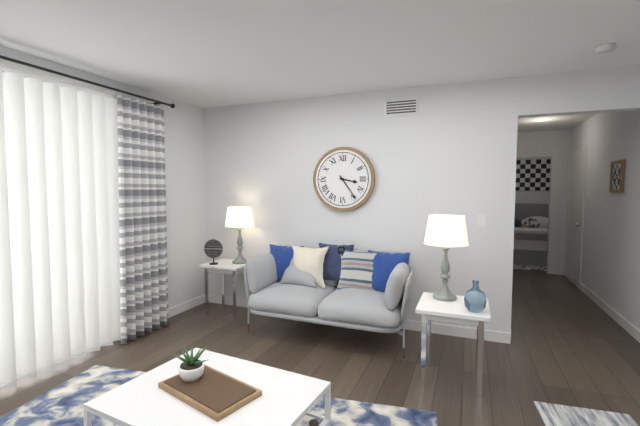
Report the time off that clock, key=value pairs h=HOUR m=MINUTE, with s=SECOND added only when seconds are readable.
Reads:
h=3 m=24
